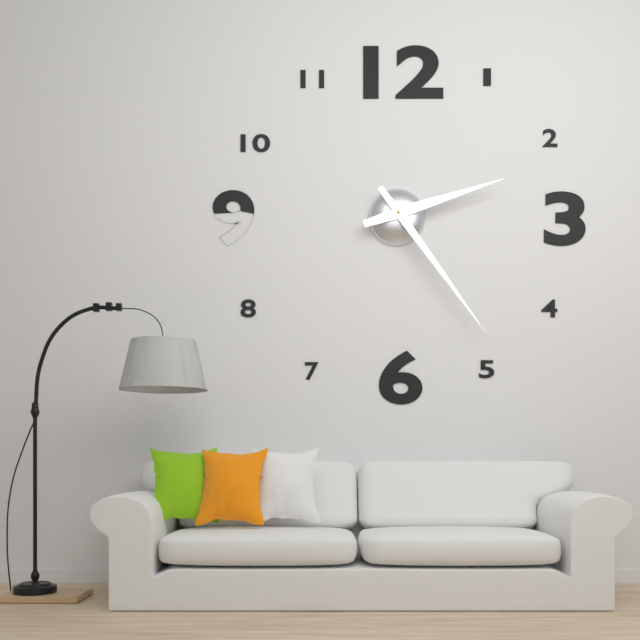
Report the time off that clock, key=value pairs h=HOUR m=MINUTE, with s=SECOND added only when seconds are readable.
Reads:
h=2 m=24
